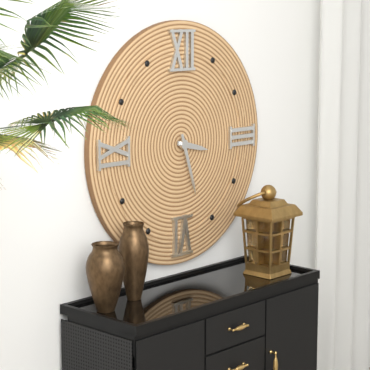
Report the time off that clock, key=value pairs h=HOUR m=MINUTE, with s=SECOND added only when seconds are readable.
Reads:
h=3 m=27
